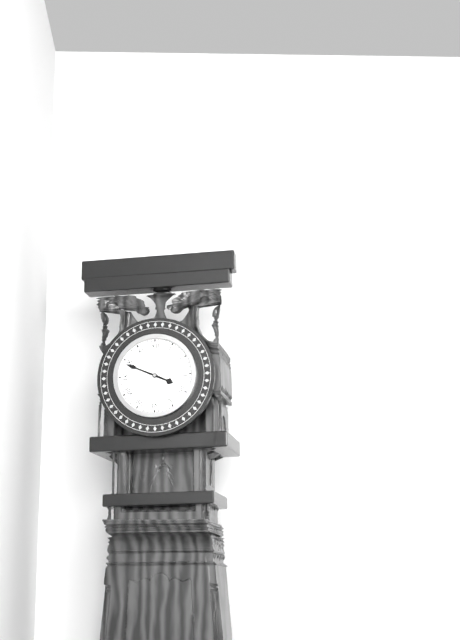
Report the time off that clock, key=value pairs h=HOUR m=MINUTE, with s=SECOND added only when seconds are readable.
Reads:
h=3 m=49
